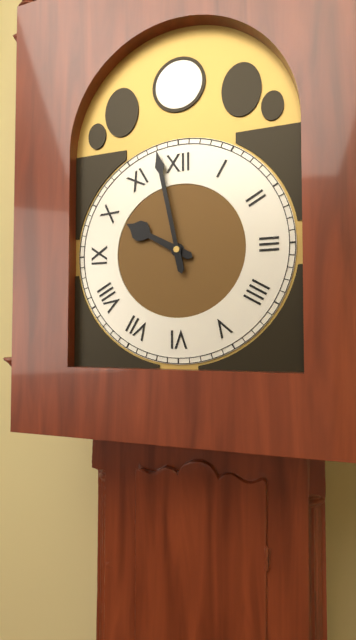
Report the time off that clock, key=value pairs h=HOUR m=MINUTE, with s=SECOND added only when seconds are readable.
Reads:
h=9 m=58
